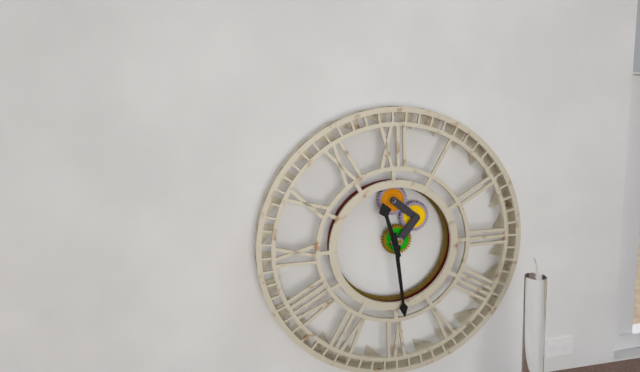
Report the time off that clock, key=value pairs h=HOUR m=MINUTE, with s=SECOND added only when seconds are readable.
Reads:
h=11 m=29
